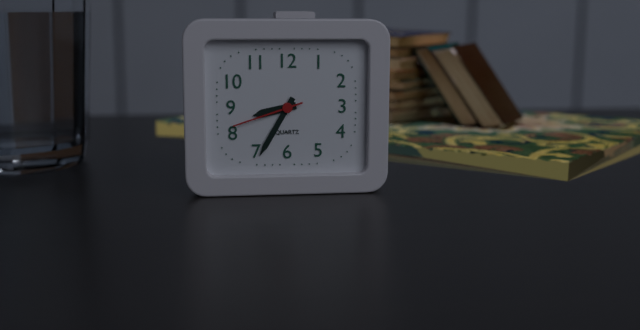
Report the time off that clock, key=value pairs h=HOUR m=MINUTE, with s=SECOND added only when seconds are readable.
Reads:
h=8 m=35 s=42
